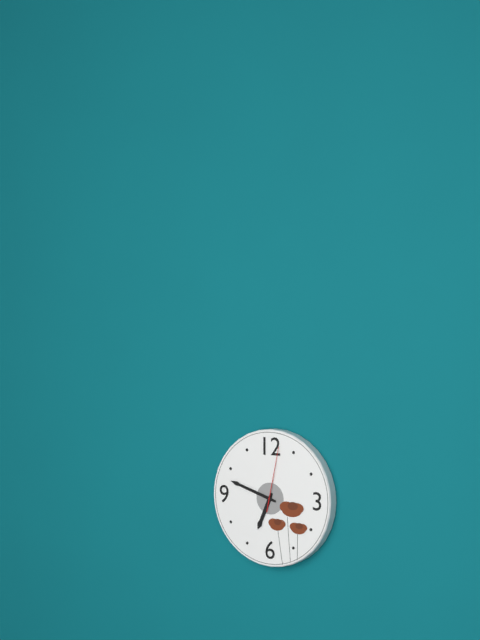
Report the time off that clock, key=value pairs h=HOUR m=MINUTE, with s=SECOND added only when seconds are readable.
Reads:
h=6 m=48 s=2
